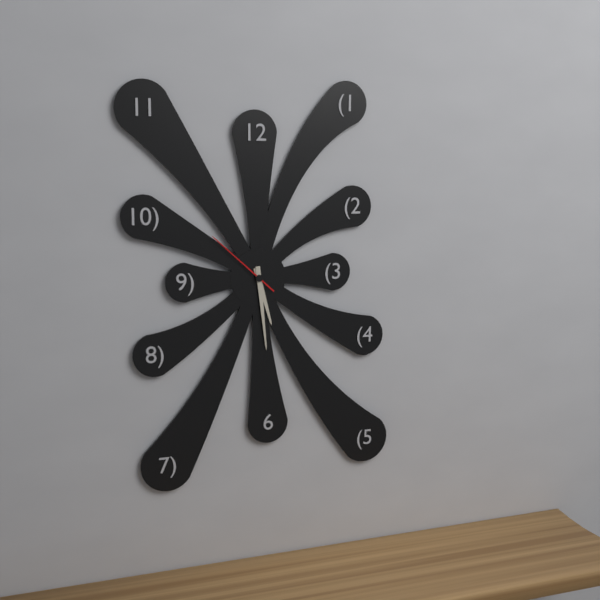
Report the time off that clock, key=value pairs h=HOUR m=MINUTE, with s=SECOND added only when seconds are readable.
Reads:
h=5 m=29 s=52
